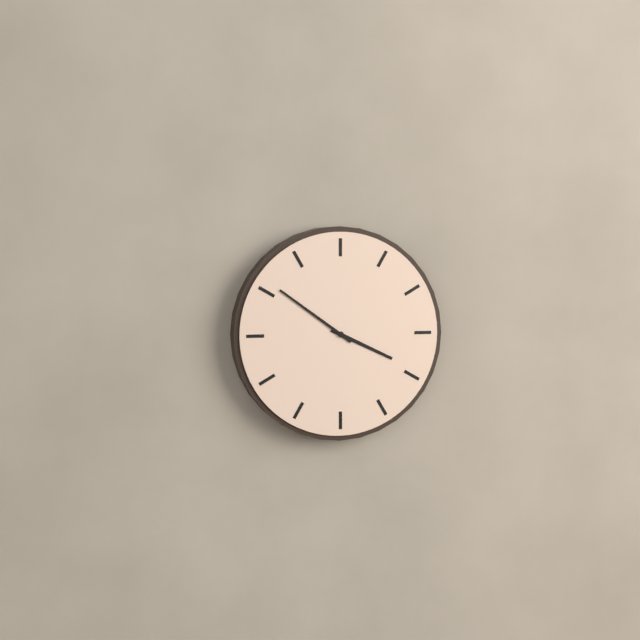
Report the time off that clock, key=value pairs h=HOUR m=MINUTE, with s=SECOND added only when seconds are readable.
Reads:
h=3 m=51
